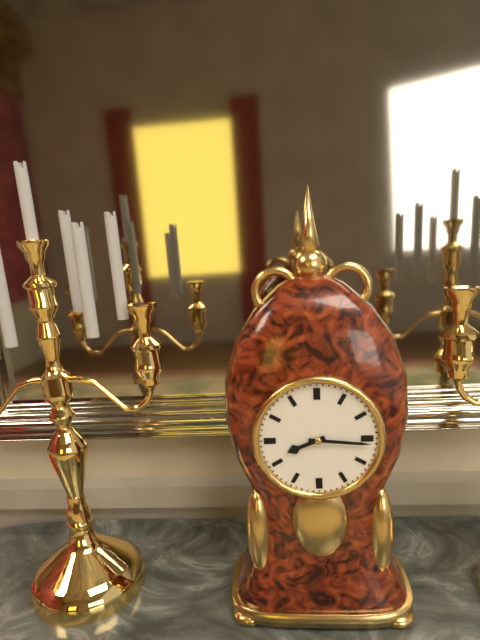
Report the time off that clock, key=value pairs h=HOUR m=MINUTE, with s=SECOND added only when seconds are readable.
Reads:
h=8 m=16
